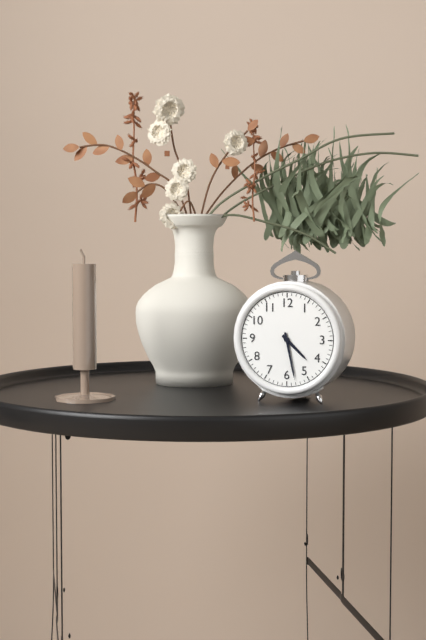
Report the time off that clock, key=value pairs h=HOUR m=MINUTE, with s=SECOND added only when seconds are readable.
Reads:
h=4 m=28
